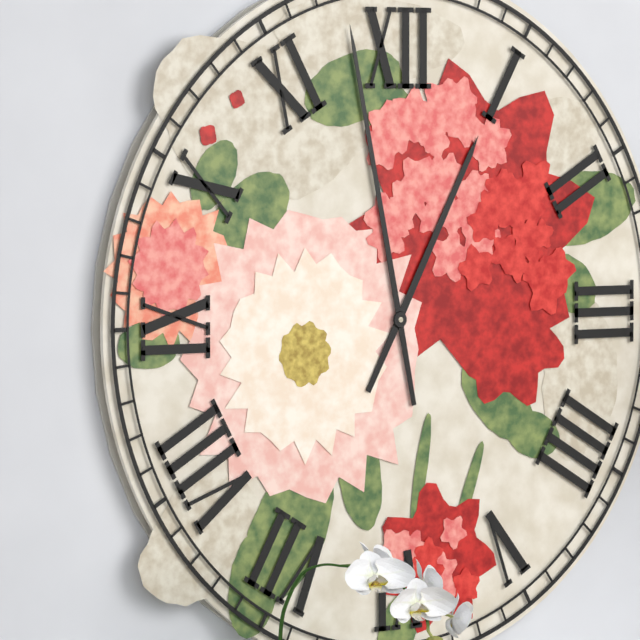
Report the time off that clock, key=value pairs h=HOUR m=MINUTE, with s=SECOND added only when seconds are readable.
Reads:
h=12 m=58
